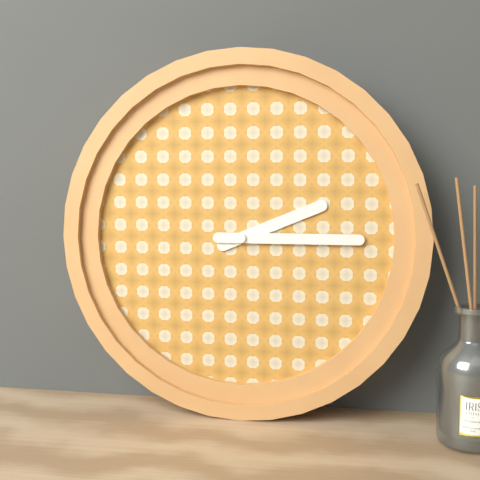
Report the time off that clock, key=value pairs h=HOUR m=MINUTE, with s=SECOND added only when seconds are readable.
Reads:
h=2 m=15
